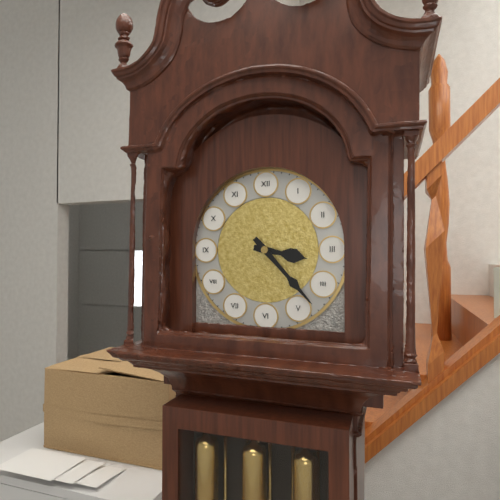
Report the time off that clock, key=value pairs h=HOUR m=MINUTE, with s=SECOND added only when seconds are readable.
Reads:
h=3 m=23
